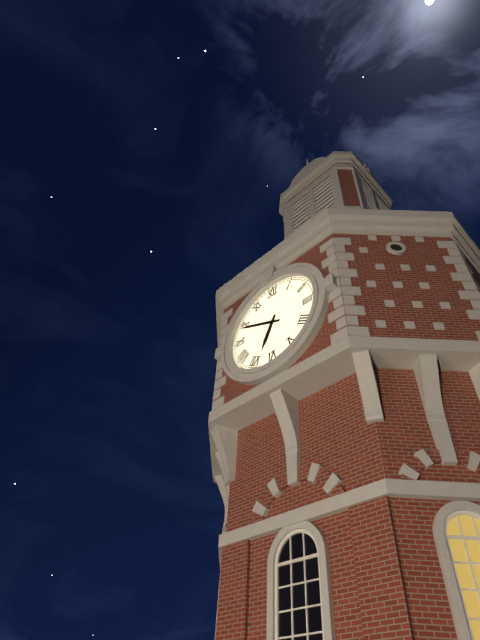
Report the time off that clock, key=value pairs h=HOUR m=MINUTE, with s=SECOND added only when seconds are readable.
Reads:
h=6 m=49
